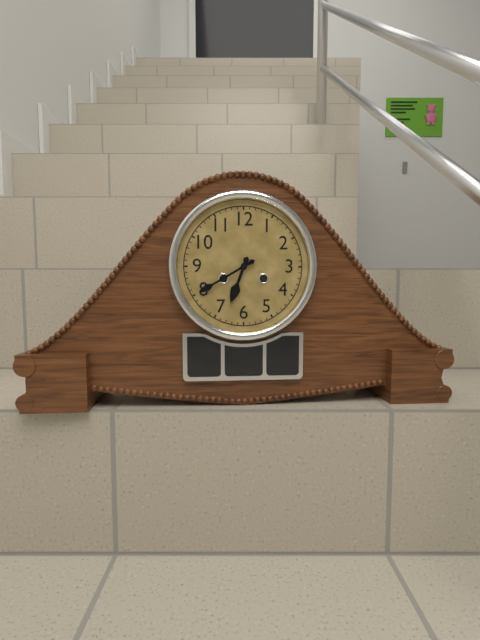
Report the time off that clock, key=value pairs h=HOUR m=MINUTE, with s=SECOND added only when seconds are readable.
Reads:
h=6 m=40
